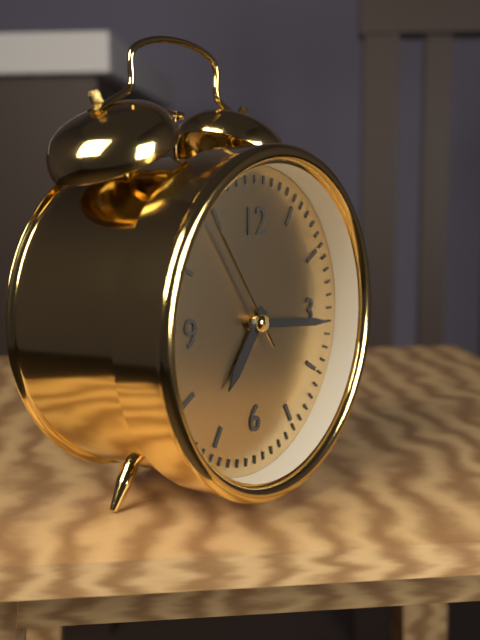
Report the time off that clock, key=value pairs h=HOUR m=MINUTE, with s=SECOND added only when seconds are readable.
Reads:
h=7 m=16 s=54
